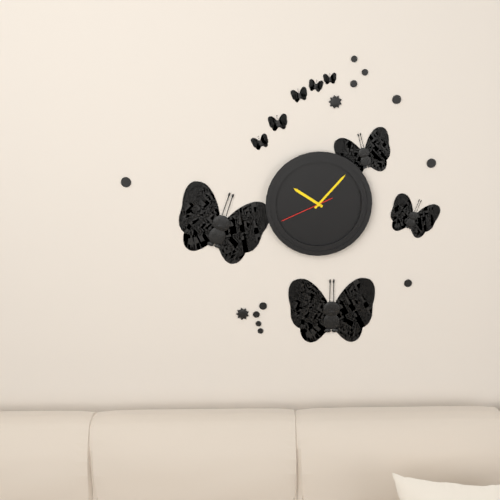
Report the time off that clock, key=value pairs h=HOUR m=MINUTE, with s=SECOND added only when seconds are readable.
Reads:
h=10 m=7 s=41
